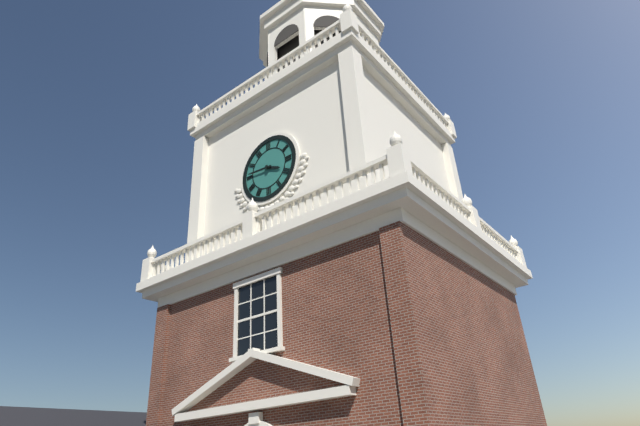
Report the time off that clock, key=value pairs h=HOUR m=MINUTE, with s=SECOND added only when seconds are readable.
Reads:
h=3 m=46
